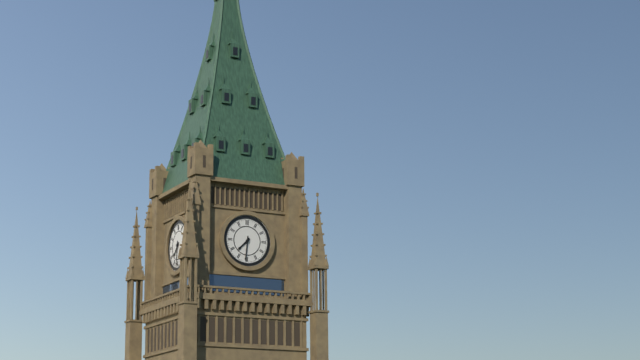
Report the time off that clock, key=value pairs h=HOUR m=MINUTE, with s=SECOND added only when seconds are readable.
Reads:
h=7 m=31
